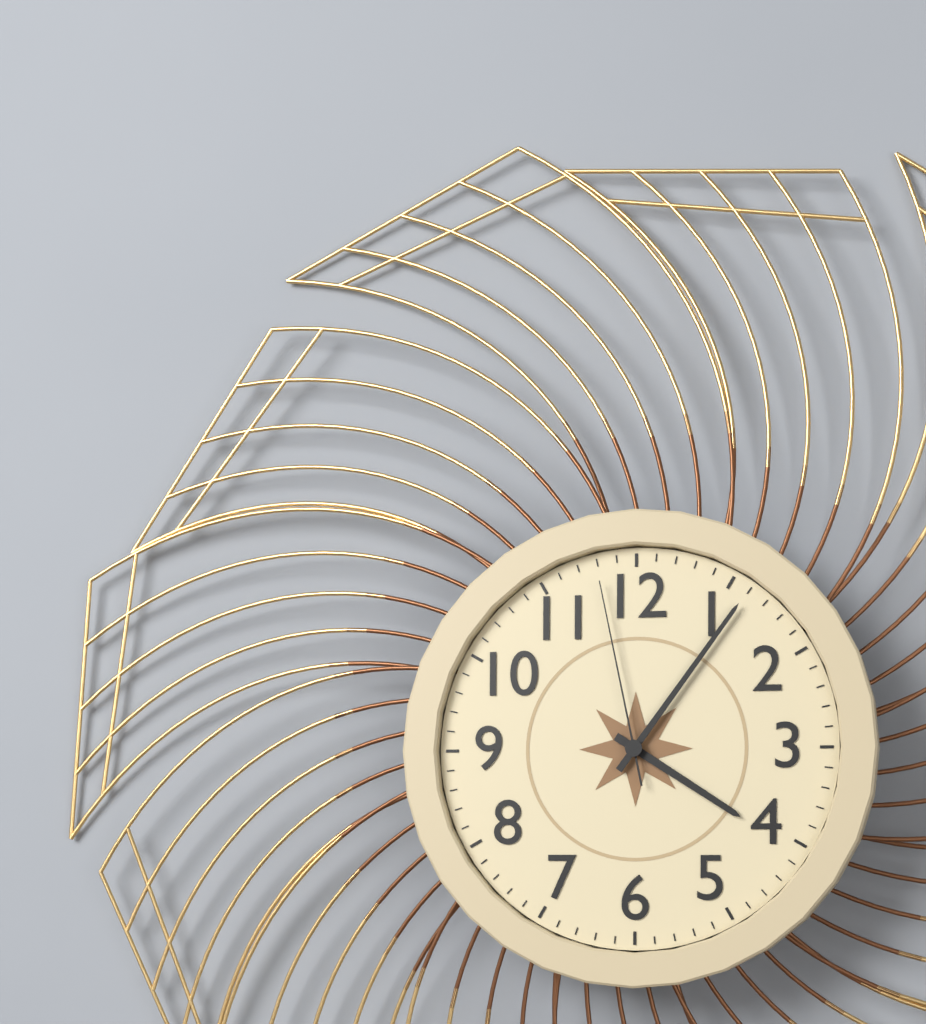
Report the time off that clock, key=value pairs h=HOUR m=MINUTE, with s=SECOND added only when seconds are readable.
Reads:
h=4 m=6 s=58
